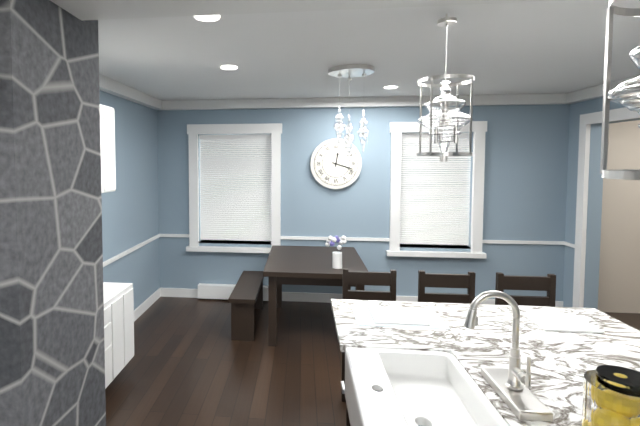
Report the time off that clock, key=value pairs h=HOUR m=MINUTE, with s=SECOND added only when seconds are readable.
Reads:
h=12 m=18
